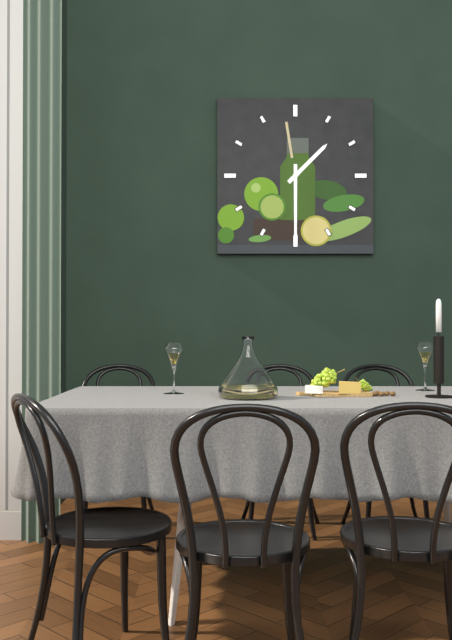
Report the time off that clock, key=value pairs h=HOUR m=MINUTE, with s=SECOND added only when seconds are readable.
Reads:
h=1 m=30
